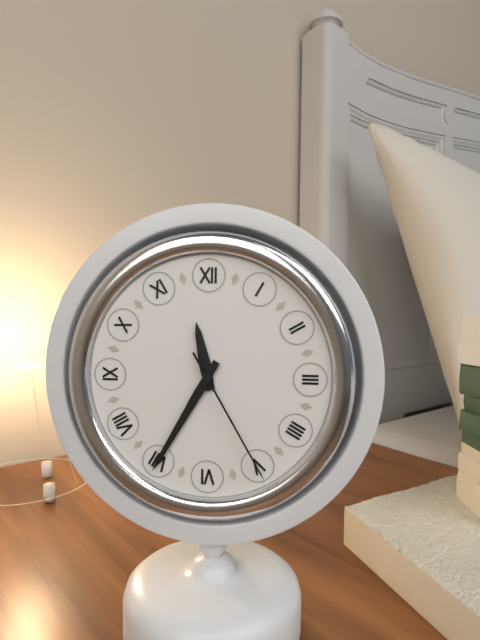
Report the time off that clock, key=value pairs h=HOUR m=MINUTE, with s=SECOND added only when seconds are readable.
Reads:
h=11 m=35 s=25
